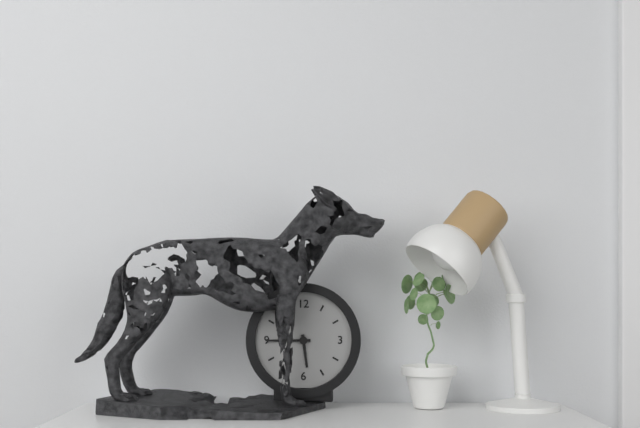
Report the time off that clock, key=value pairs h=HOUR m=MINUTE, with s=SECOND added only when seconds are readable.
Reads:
h=5 m=45
